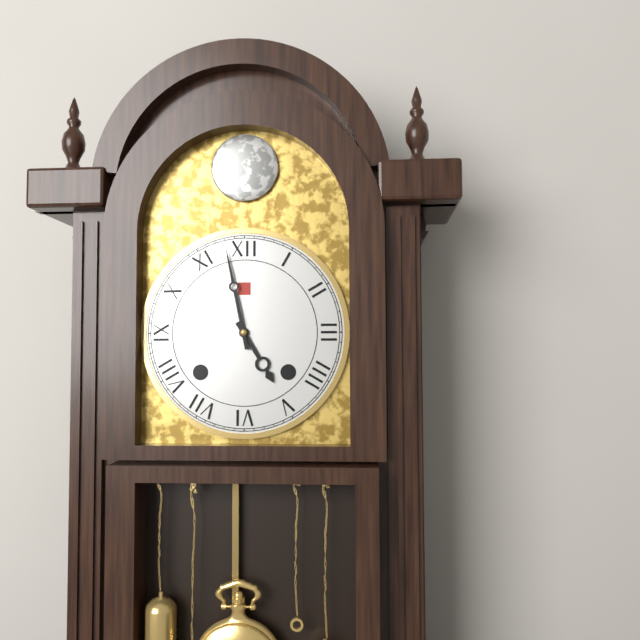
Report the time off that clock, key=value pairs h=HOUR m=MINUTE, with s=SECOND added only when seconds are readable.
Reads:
h=4 m=58
